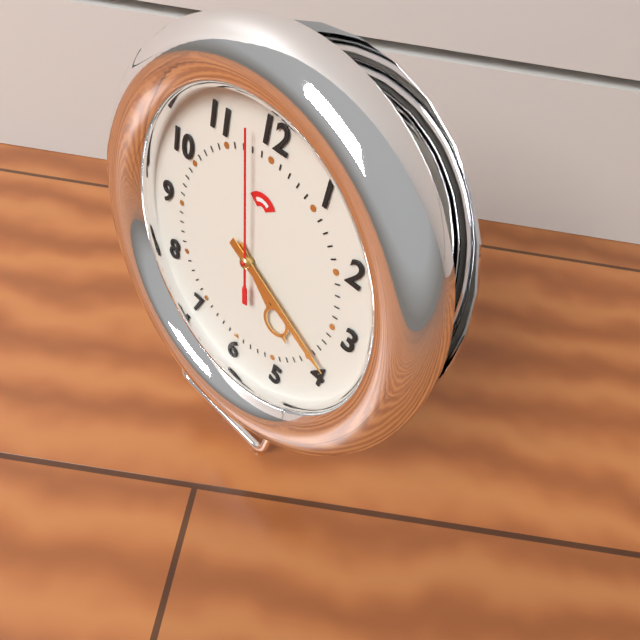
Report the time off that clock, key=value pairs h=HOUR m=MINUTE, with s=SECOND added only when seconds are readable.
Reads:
h=4 m=19 s=58
